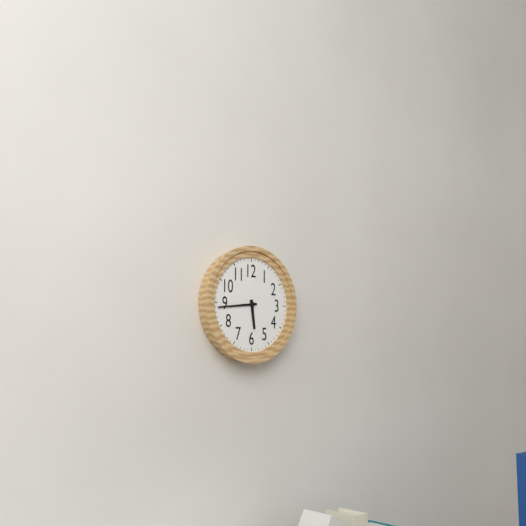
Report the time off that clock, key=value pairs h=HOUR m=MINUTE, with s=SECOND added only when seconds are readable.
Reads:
h=5 m=44
